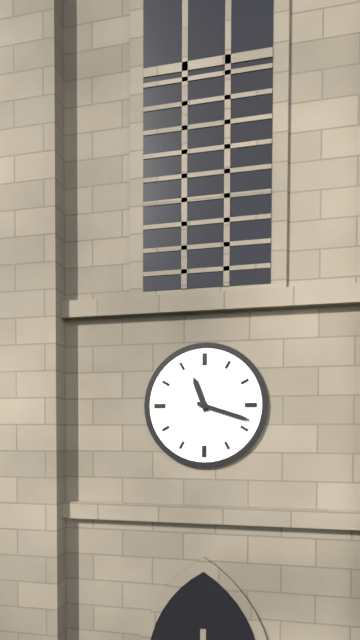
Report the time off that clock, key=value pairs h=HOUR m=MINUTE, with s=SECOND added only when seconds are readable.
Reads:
h=11 m=18
